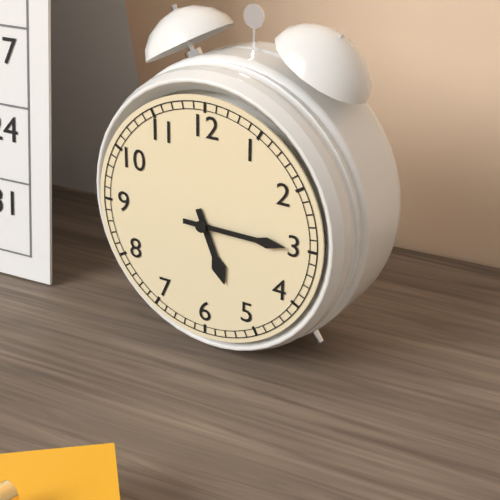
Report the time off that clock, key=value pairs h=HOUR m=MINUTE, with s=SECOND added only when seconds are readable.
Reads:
h=5 m=15
